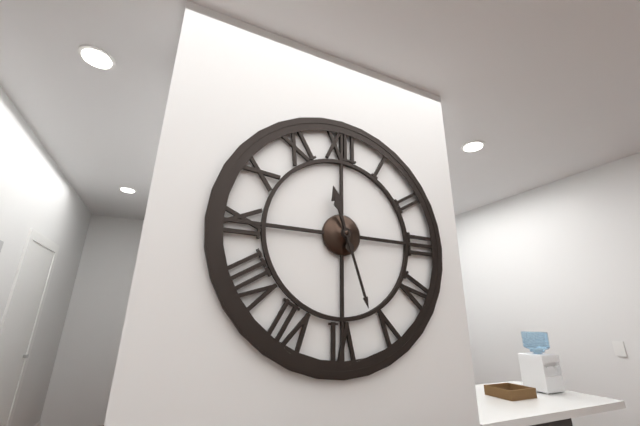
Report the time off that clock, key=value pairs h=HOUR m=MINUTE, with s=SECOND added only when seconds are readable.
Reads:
h=11 m=27
